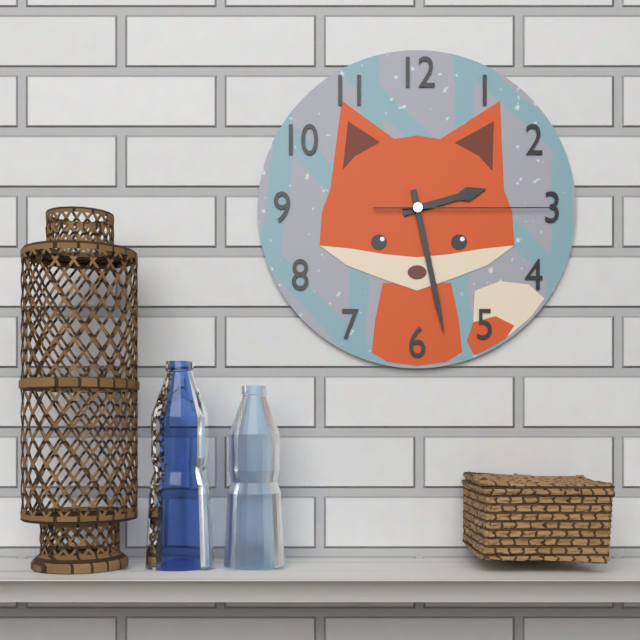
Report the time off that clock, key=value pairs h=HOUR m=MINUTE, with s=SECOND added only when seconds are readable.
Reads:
h=2 m=28 s=15
